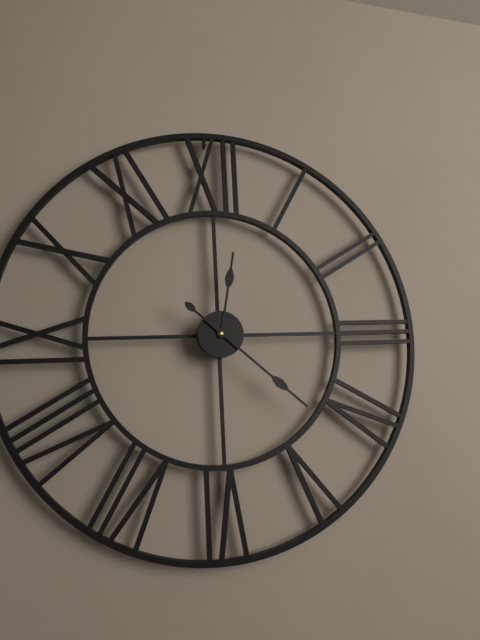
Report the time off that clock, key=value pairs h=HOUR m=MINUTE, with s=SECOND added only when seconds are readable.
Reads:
h=12 m=22
